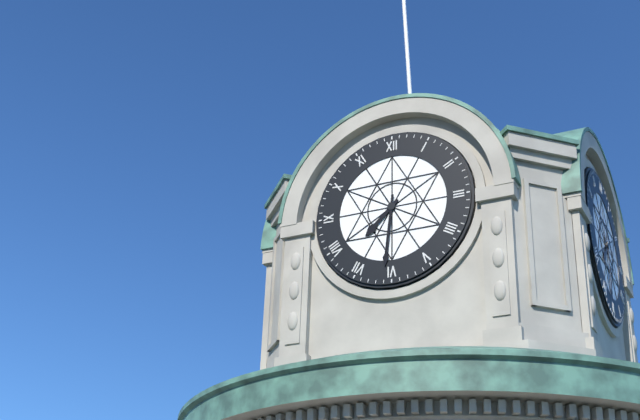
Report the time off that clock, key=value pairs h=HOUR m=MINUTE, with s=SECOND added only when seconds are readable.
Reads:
h=7 m=31
